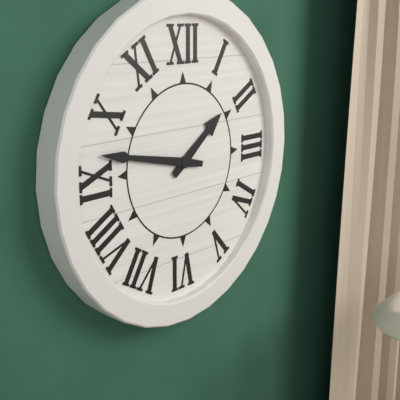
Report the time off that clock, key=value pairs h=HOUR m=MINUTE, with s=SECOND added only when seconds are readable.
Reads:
h=1 m=47
